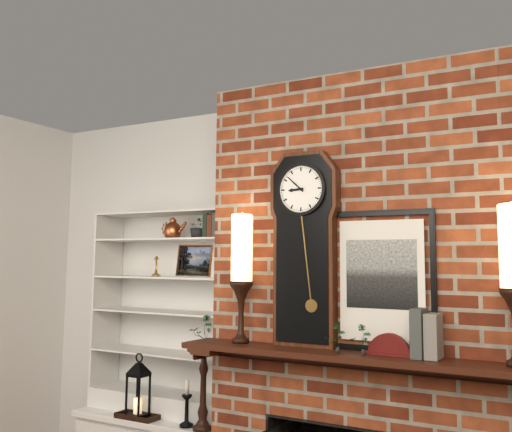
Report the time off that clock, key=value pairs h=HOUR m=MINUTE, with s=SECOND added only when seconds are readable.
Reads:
h=8 m=52
